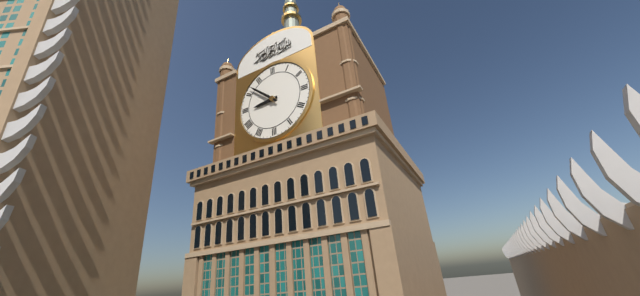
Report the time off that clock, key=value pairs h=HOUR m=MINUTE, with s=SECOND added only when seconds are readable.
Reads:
h=8 m=52
